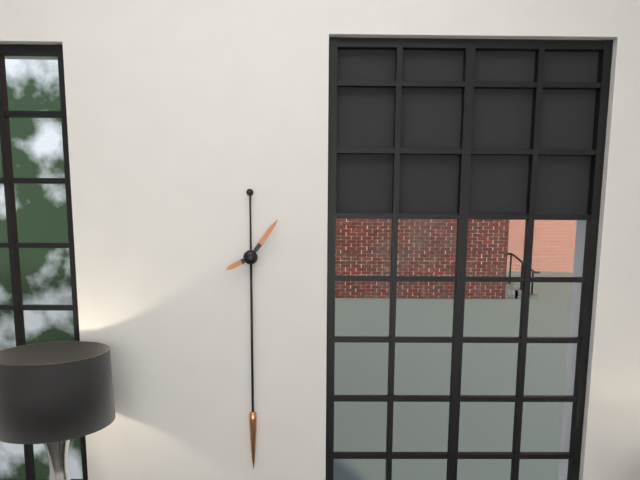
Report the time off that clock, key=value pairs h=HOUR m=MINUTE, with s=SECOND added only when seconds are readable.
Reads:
h=8 m=6
